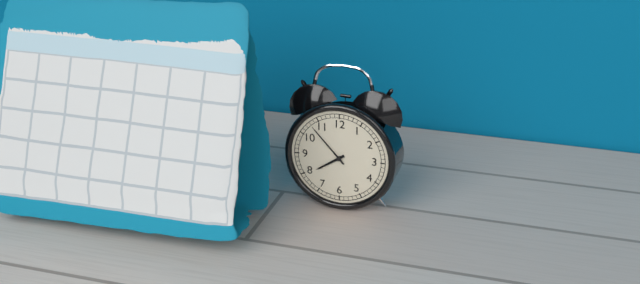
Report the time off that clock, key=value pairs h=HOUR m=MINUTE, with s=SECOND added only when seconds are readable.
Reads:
h=7 m=53
